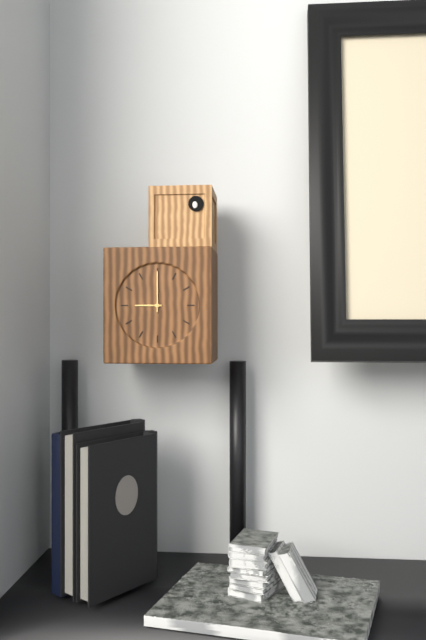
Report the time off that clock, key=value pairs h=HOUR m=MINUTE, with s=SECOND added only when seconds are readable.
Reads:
h=9 m=0
